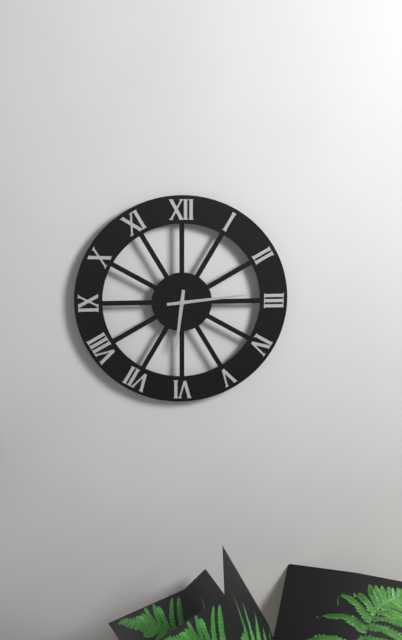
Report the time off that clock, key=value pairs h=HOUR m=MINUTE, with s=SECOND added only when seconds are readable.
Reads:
h=6 m=14
